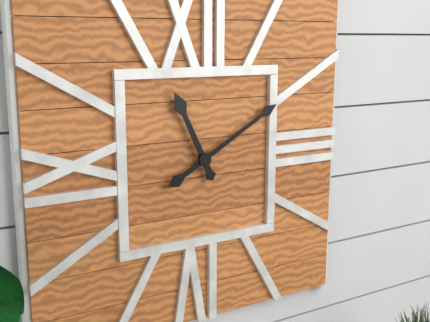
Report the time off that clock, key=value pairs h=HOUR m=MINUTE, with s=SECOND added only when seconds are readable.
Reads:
h=11 m=10
